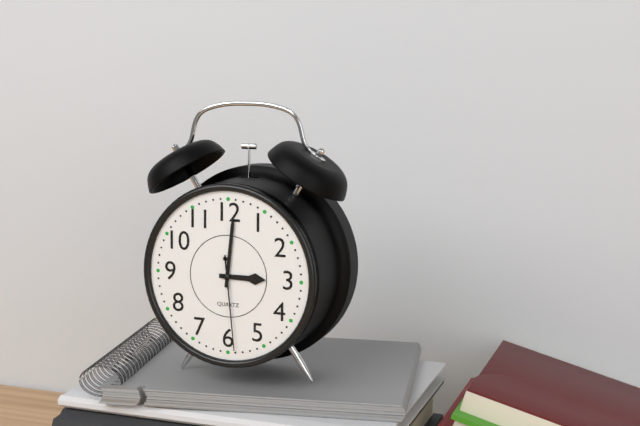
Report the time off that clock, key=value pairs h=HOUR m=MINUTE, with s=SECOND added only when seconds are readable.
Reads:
h=3 m=1 s=29
